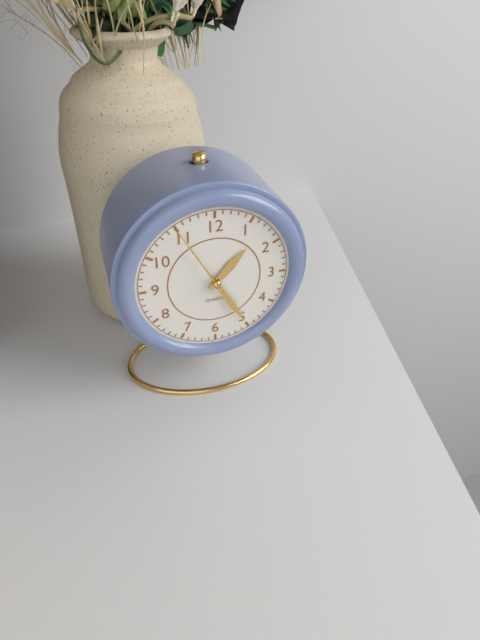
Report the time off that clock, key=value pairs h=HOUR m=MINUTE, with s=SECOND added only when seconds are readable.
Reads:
h=1 m=25 s=55
